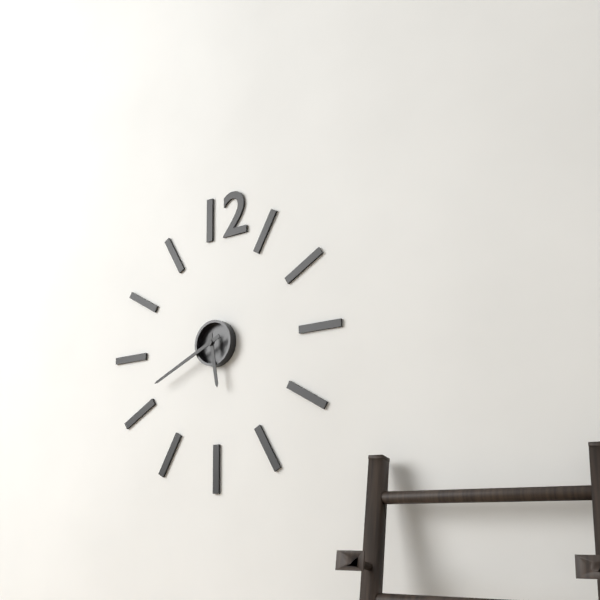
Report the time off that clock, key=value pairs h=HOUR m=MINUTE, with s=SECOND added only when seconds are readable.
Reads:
h=5 m=41
